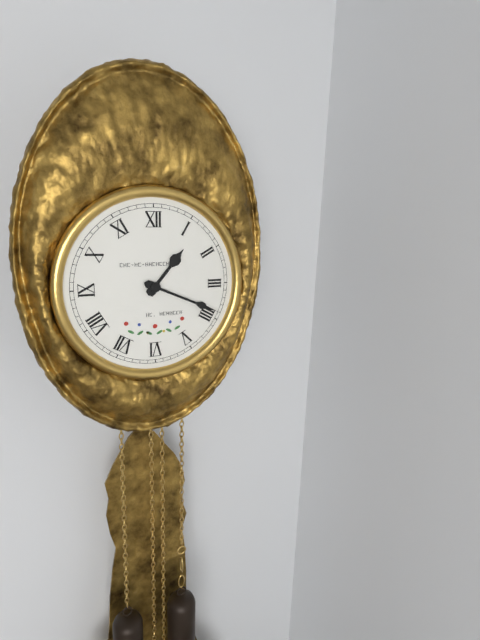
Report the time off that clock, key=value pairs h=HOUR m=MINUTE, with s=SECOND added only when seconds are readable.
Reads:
h=1 m=19
